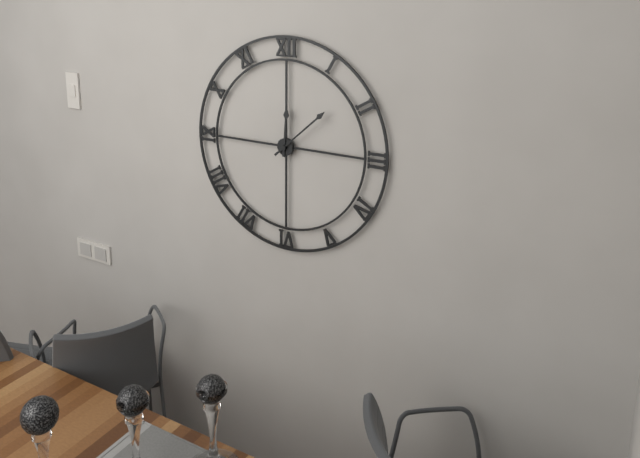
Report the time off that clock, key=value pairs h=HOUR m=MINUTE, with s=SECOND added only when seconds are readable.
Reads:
h=12 m=8
